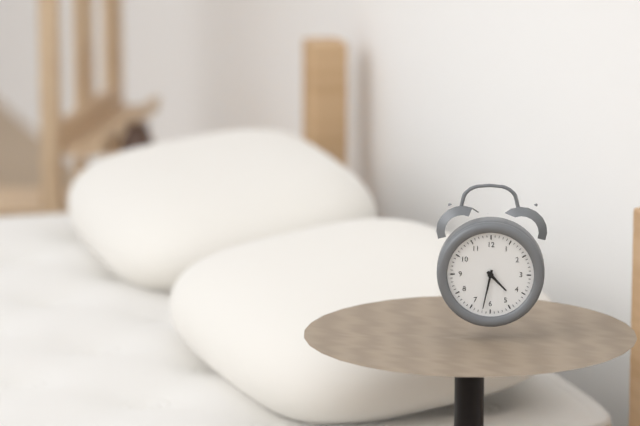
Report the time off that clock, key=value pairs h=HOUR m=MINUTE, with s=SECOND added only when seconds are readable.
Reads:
h=4 m=32
